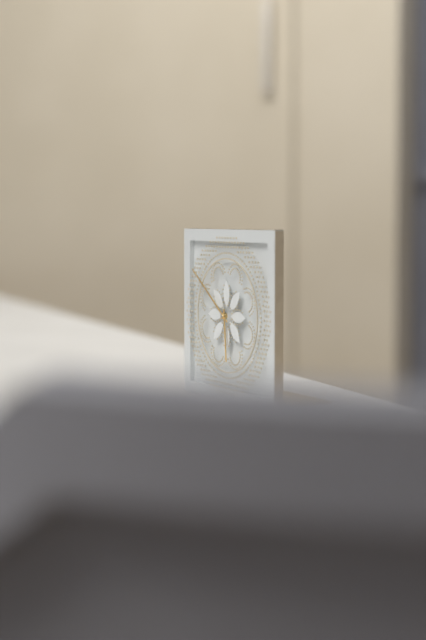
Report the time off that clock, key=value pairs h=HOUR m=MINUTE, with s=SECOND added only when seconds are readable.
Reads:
h=5 m=51
